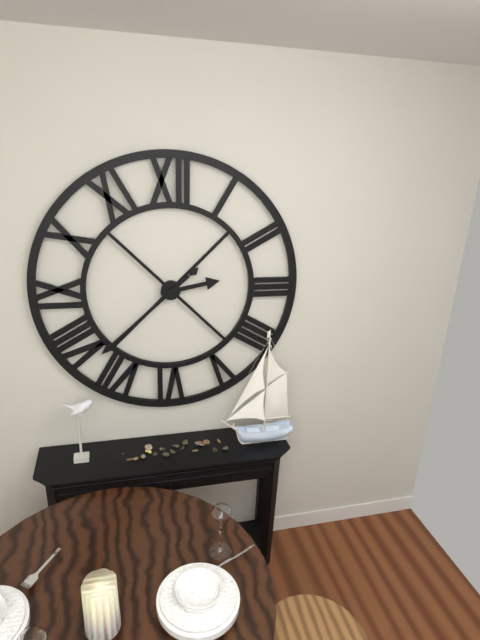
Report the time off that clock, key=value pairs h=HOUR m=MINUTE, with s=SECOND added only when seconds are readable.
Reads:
h=2 m=38
